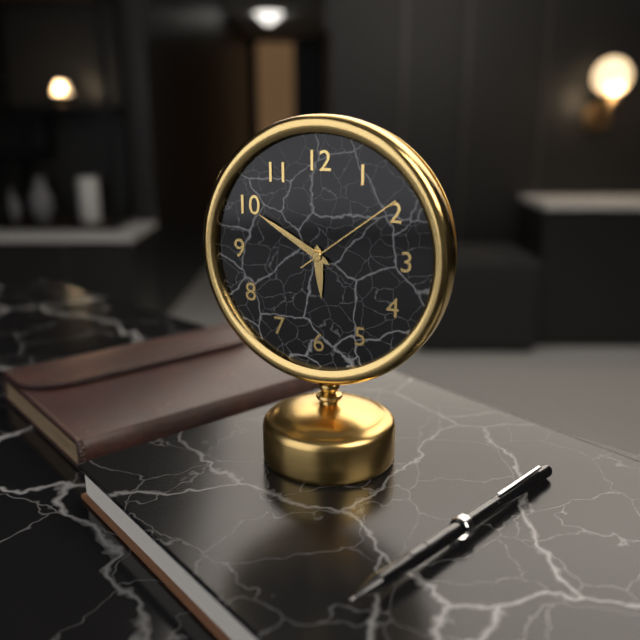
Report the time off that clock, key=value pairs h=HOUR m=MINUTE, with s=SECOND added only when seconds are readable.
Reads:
h=5 m=50 s=9
